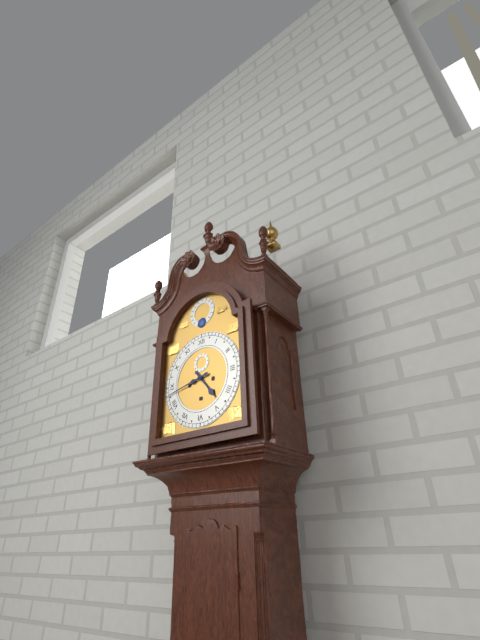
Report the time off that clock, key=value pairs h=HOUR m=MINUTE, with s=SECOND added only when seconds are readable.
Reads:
h=4 m=43
